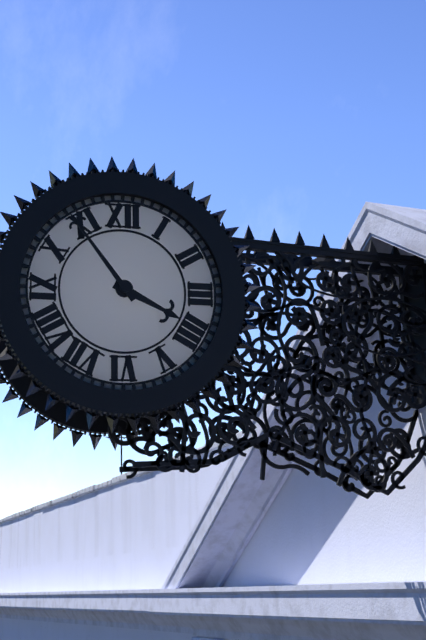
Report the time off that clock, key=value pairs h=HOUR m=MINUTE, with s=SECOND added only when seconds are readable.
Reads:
h=3 m=54
